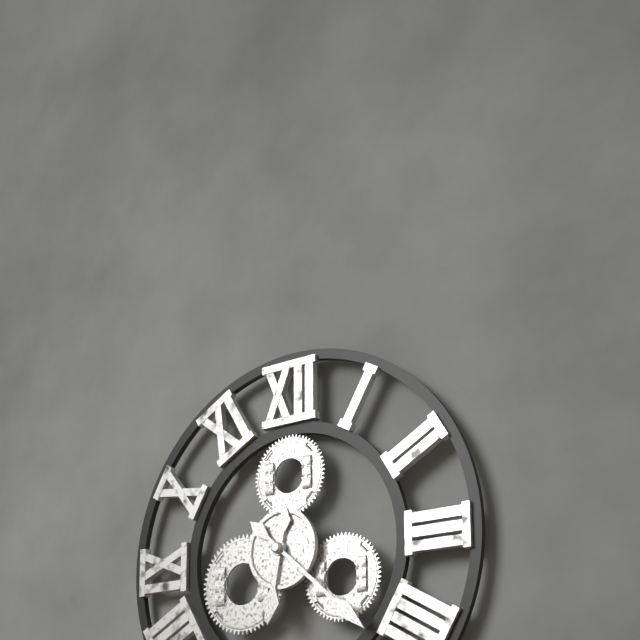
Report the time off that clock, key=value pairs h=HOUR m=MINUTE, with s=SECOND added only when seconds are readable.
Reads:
h=6 m=22
